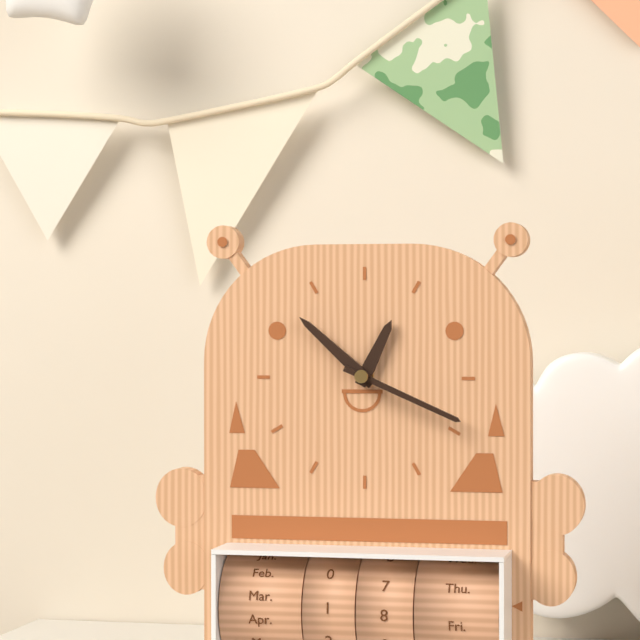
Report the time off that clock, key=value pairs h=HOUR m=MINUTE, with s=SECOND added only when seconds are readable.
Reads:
h=12 m=52 s=19
